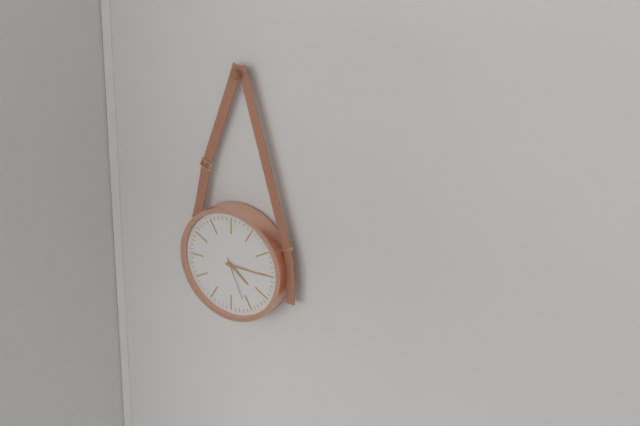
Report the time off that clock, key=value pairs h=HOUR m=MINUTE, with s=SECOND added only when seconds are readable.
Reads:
h=4 m=15 s=26
